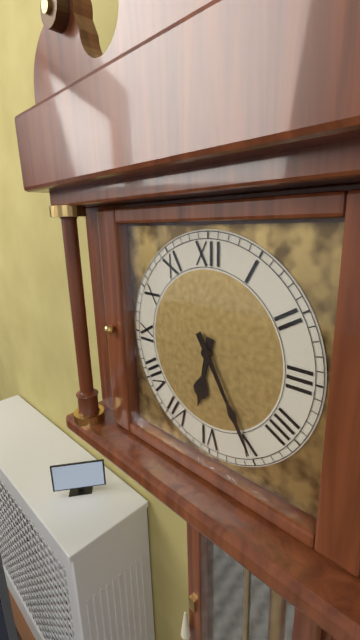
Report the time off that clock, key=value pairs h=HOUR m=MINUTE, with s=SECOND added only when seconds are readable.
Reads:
h=6 m=25
